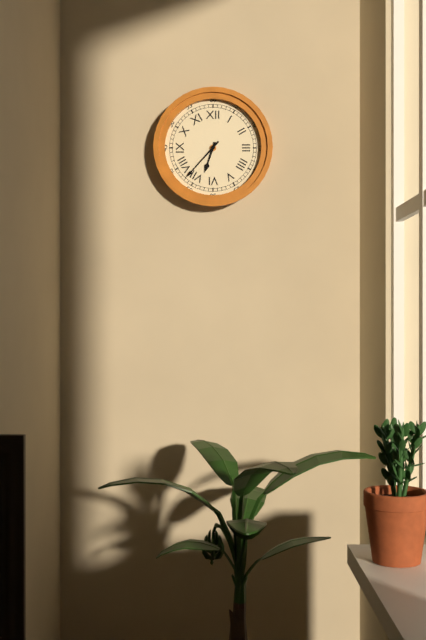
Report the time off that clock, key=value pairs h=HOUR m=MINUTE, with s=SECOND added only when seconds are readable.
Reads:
h=6 m=37
